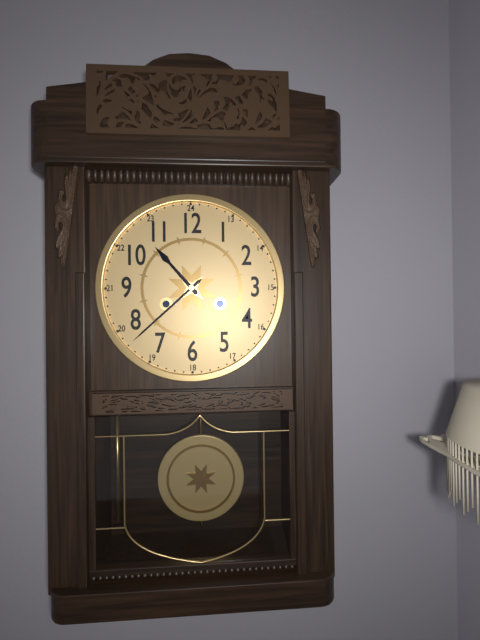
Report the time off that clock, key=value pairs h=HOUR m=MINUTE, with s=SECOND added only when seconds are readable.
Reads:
h=10 m=38
